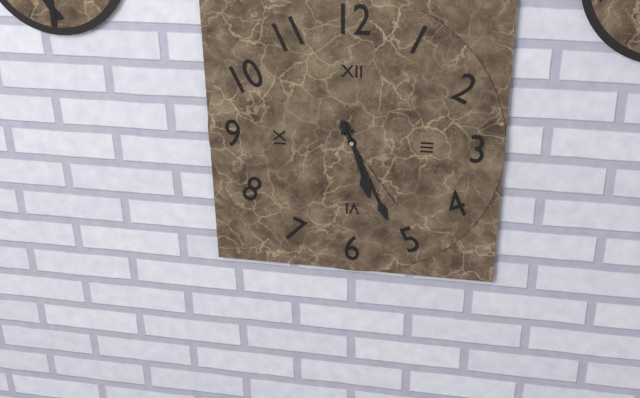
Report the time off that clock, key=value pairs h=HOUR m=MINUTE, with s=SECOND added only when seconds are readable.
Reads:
h=5 m=26 s=24
